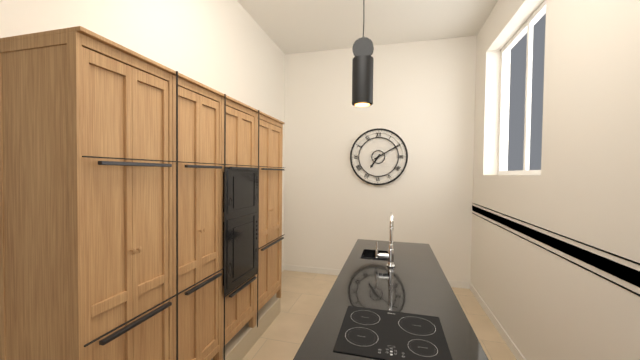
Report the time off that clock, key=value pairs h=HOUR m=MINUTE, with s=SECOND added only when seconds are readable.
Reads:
h=7 m=10
